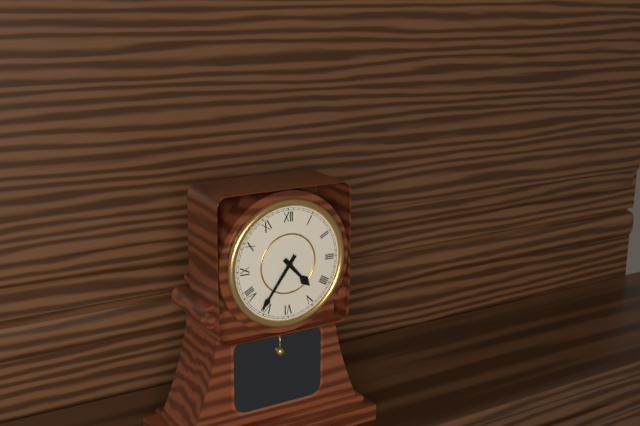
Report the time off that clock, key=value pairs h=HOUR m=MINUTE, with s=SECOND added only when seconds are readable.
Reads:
h=4 m=36
